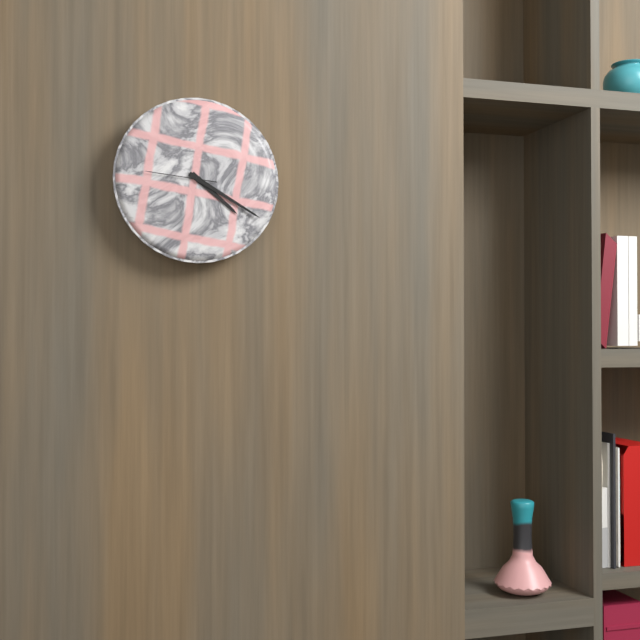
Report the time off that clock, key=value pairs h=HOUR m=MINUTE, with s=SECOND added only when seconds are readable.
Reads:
h=4 m=20 s=46
